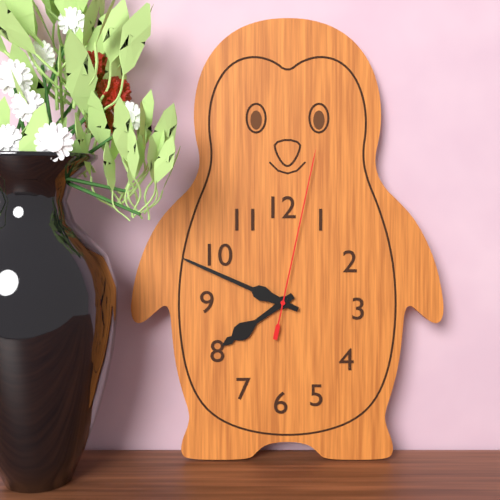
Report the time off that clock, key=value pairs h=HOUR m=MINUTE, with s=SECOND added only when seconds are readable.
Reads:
h=7 m=49 s=2
